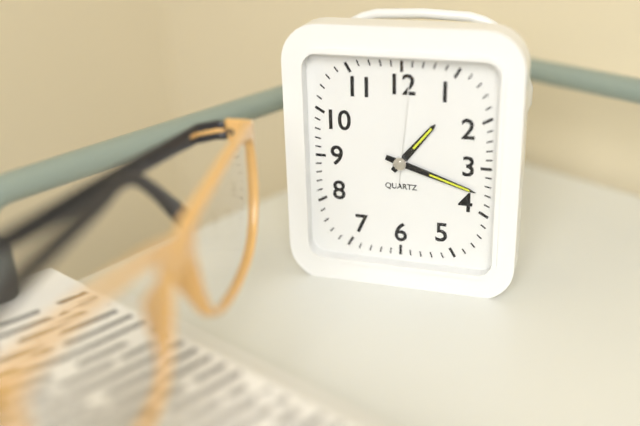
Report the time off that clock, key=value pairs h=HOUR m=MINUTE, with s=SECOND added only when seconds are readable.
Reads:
h=1 m=18 s=1
